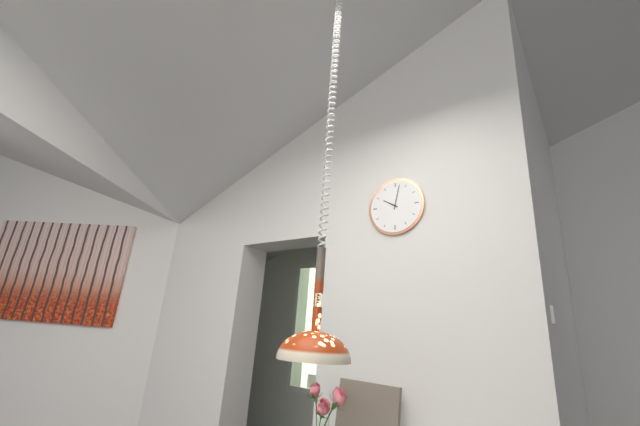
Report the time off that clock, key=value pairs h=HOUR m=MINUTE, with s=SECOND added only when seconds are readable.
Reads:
h=10 m=2
